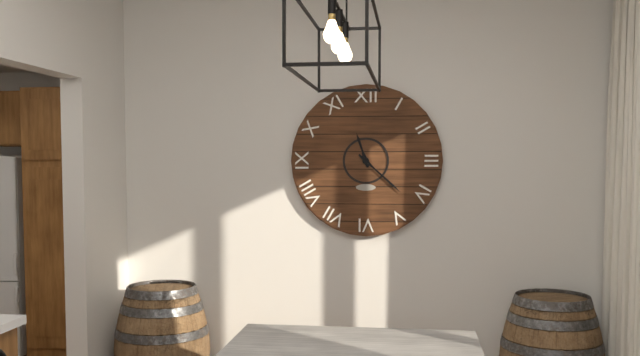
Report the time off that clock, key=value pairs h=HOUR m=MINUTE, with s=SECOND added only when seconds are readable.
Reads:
h=11 m=22
